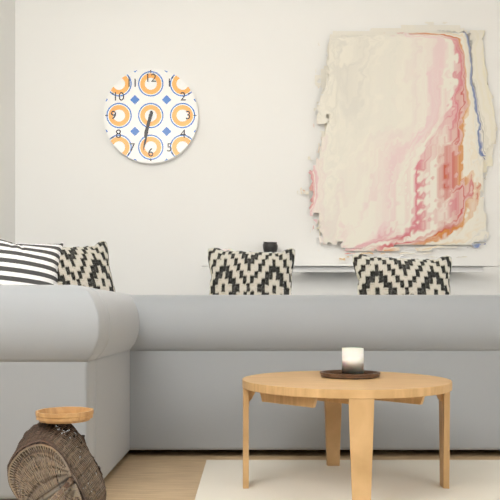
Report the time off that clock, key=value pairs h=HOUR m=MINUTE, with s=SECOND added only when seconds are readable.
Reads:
h=6 m=32
